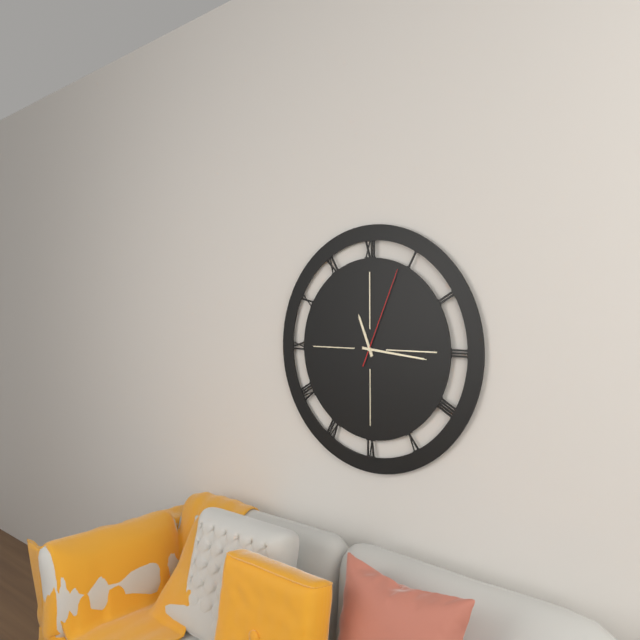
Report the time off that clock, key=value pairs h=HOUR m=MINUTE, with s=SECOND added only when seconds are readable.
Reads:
h=11 m=16 s=4
